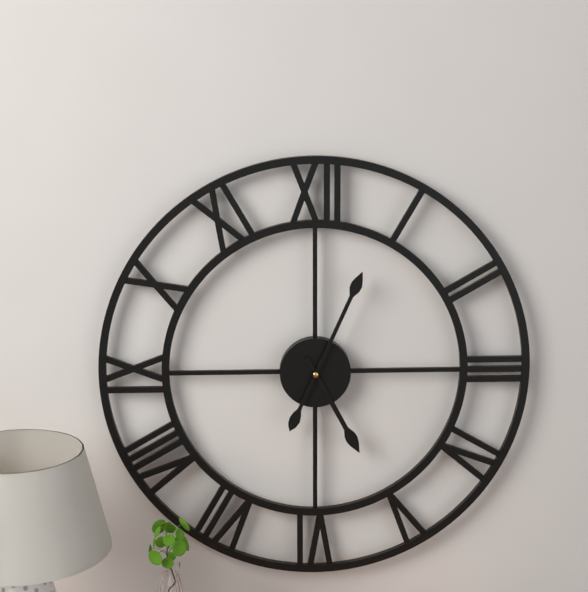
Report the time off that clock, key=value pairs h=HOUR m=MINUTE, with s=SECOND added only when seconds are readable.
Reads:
h=5 m=4
